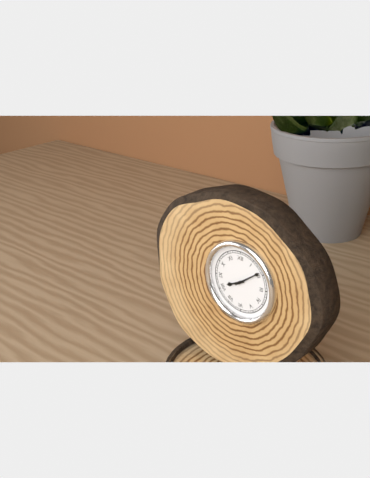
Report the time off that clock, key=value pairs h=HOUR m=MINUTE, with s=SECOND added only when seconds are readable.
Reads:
h=8 m=9
